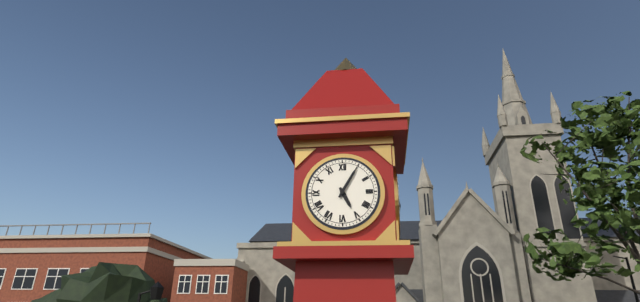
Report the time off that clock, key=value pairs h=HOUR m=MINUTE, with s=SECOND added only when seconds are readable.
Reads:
h=5 m=5
